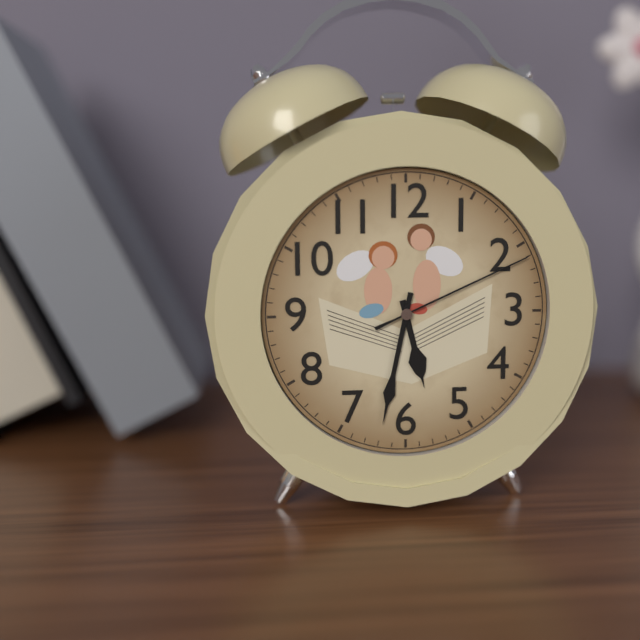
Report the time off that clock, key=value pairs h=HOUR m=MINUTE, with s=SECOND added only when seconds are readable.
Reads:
h=5 m=32 s=11
